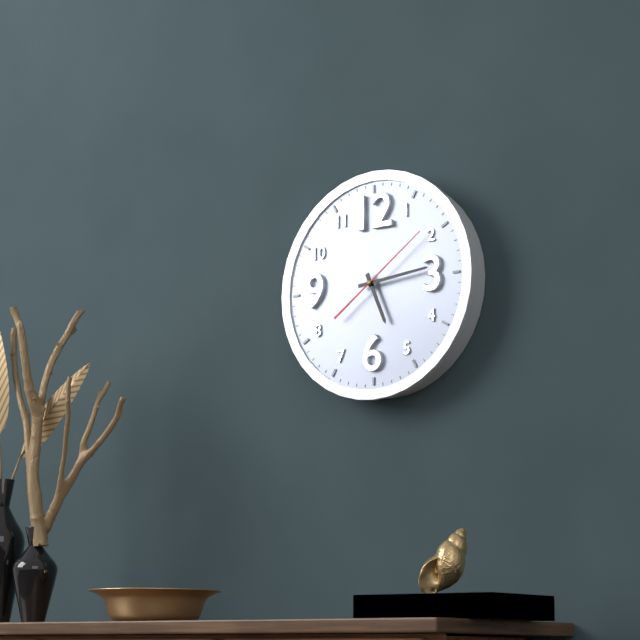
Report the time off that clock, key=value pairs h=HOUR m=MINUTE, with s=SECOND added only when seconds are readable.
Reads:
h=5 m=14 s=9
